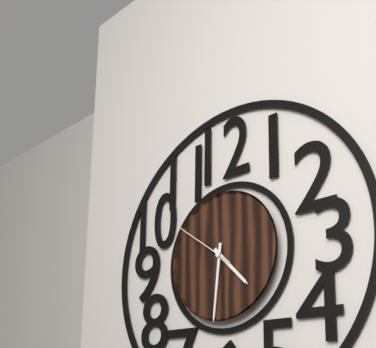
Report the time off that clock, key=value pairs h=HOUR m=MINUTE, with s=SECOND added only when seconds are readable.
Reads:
h=4 m=31 s=51
